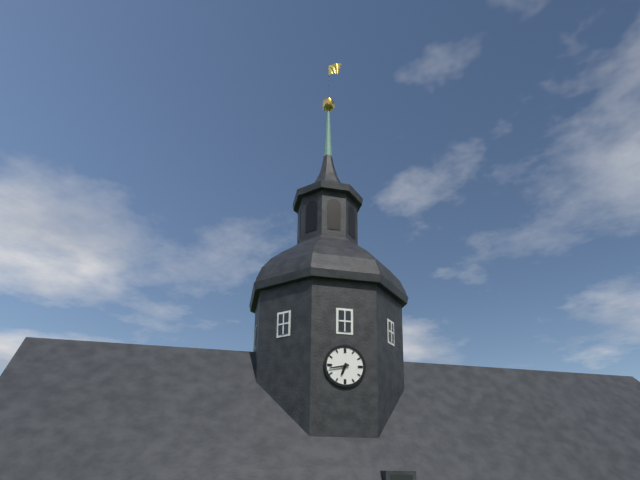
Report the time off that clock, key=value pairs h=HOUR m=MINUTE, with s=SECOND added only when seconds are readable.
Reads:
h=6 m=43
